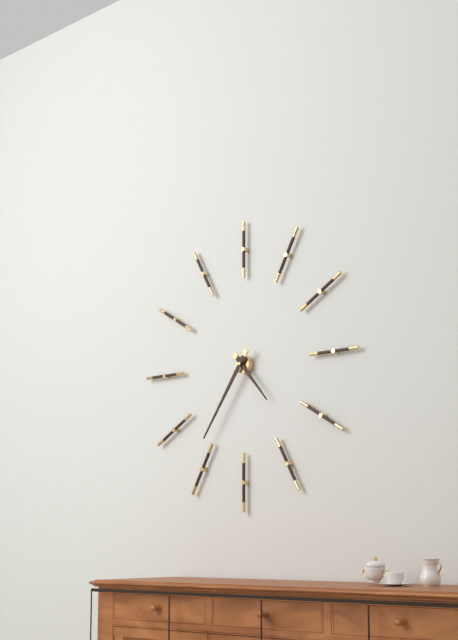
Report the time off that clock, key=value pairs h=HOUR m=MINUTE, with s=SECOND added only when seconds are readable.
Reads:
h=4 m=36
